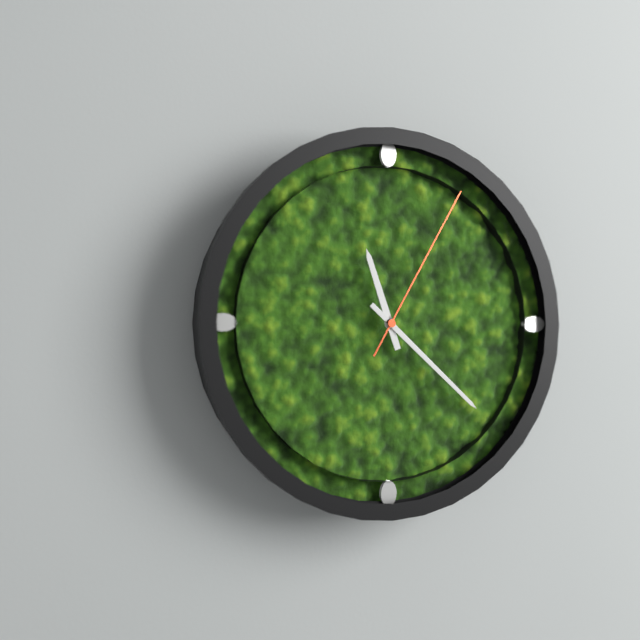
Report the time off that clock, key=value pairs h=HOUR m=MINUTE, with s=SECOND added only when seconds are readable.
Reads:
h=11 m=22 s=5
